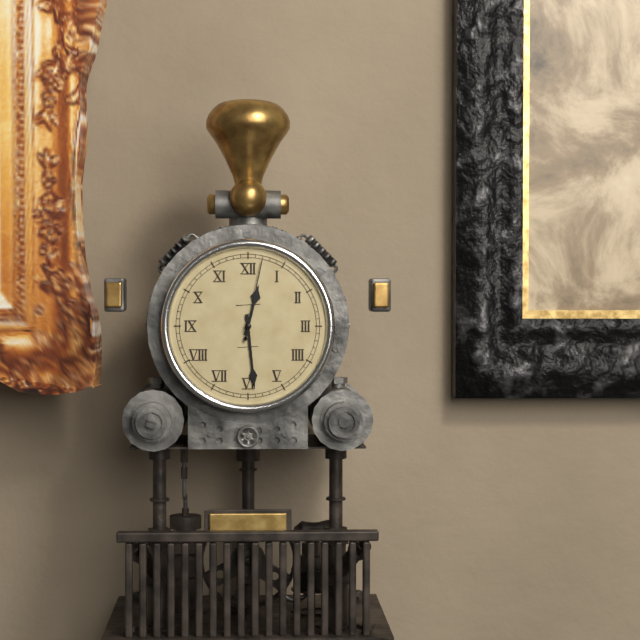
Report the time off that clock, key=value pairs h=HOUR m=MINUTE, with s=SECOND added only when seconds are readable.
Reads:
h=12 m=29 s=2
